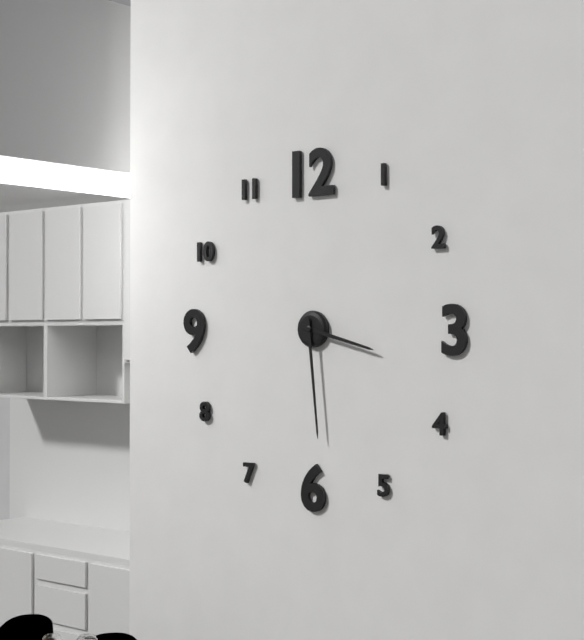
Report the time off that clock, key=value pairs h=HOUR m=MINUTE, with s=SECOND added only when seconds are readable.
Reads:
h=3 m=29
